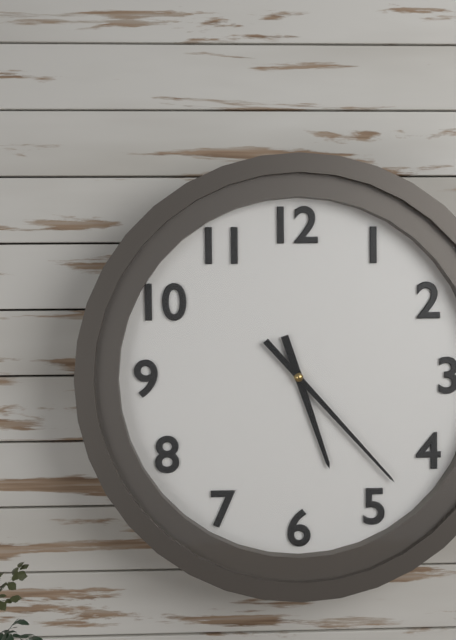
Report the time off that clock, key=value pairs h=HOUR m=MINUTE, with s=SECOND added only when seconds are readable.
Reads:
h=5 m=23
